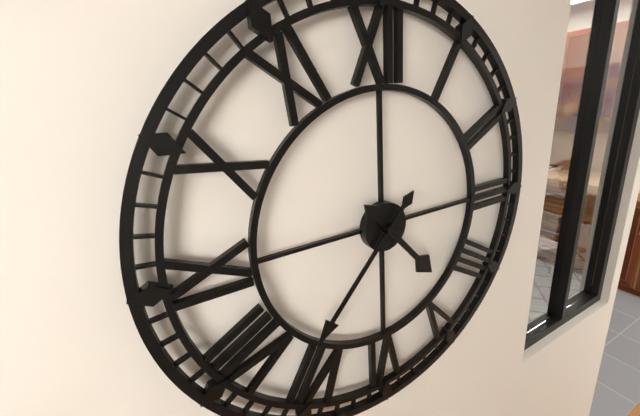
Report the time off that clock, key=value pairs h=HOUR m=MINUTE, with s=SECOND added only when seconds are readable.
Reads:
h=4 m=37
